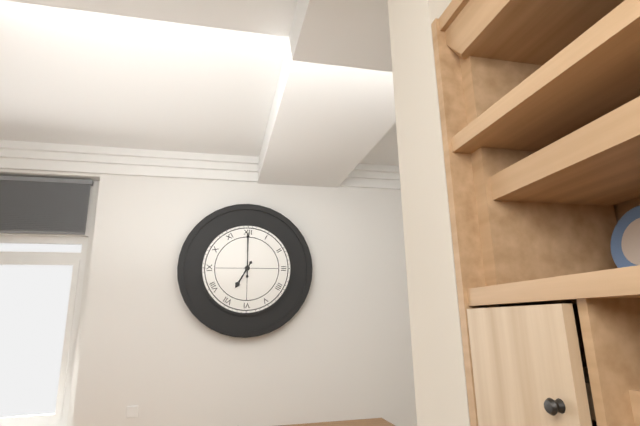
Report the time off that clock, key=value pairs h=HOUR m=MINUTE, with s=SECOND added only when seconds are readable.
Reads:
h=7 m=0
